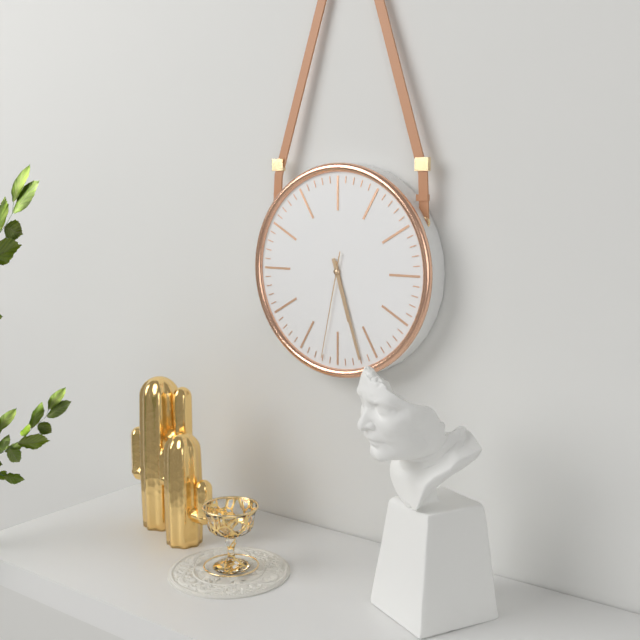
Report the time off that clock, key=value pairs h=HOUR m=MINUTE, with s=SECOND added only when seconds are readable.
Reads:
h=5 m=27 s=32
